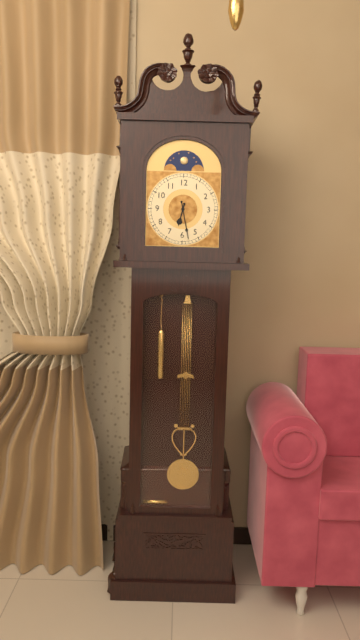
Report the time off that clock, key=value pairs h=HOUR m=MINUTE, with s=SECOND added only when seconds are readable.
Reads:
h=6 m=28
